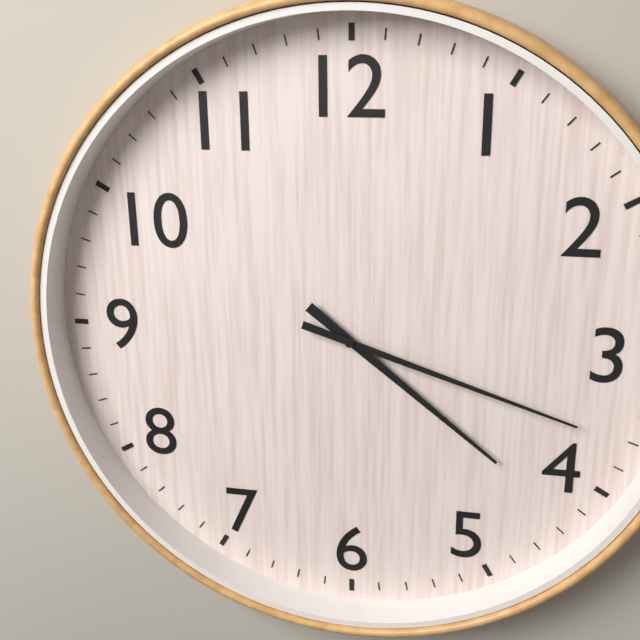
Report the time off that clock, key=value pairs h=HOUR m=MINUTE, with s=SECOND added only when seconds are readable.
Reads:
h=4 m=18
